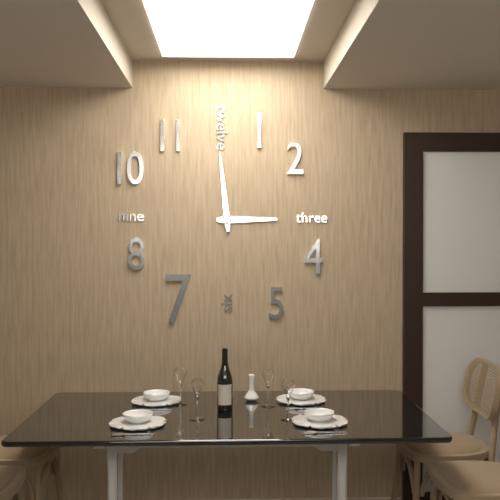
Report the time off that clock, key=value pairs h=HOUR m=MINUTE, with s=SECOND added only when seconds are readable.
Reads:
h=2 m=59
